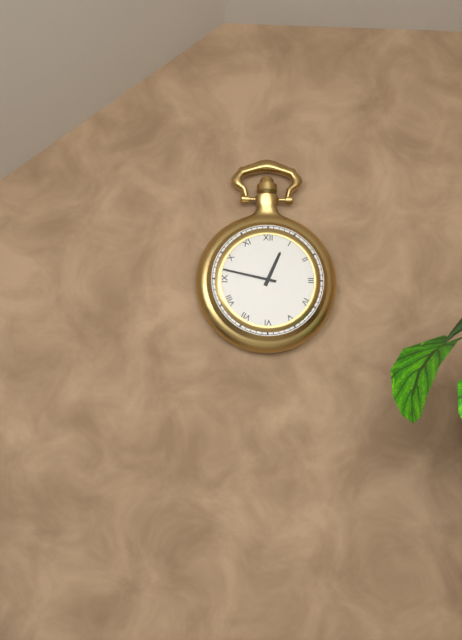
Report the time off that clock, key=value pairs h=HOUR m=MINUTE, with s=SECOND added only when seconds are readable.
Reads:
h=12 m=47
